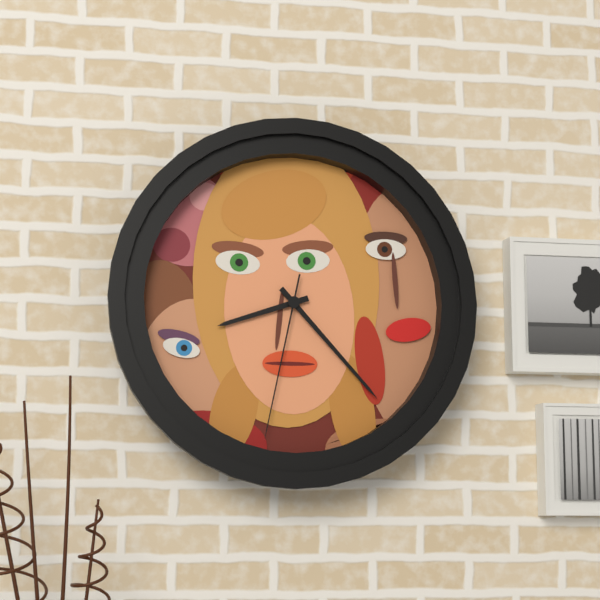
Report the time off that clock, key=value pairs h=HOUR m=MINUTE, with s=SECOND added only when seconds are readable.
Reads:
h=8 m=23 s=32
